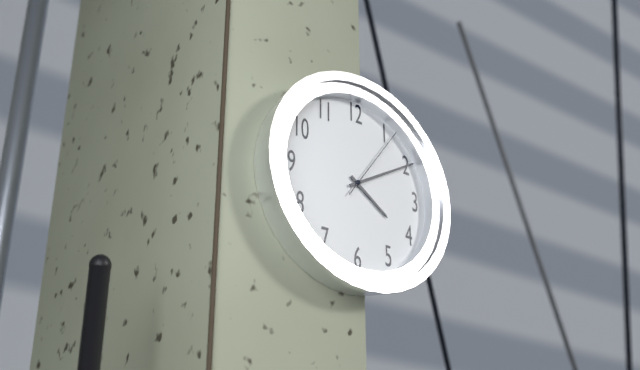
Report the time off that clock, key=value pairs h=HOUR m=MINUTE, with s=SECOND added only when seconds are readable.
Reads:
h=4 m=10 s=6
